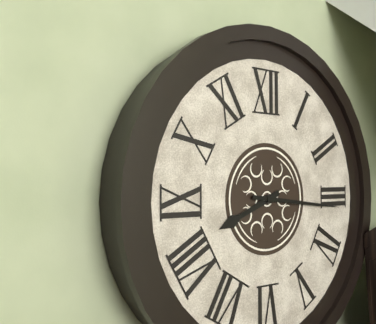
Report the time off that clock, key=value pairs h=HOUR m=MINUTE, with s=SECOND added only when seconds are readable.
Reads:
h=8 m=16
